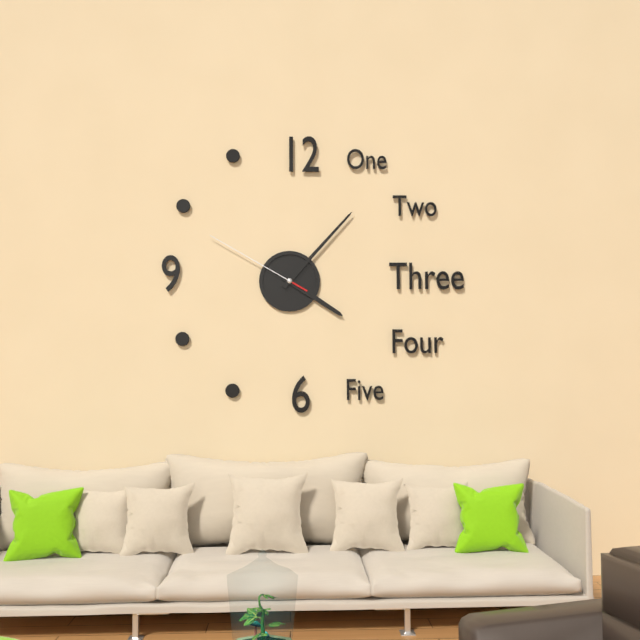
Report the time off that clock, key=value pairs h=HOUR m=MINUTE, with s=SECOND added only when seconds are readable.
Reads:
h=4 m=7 s=50
